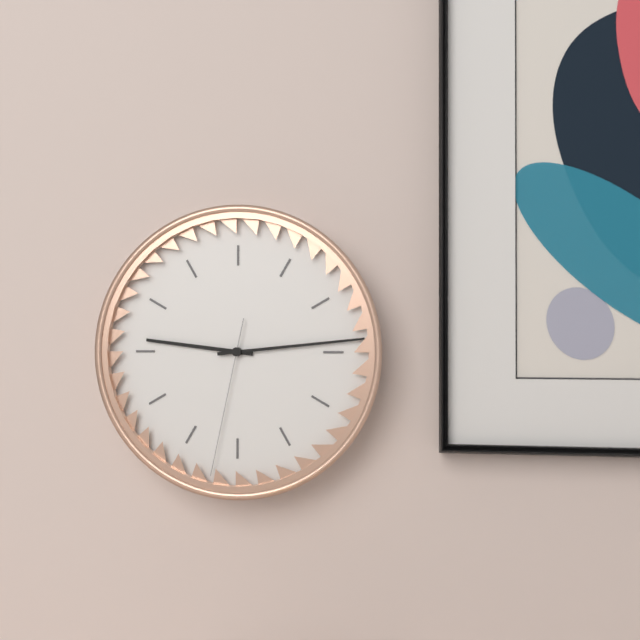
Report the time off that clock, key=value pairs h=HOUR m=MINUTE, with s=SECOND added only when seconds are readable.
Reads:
h=9 m=14 s=32
